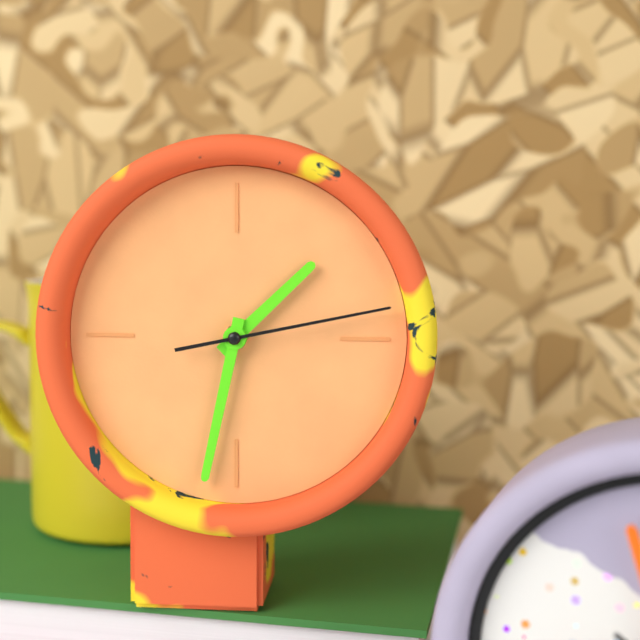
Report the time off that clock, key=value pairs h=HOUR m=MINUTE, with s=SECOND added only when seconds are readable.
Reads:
h=1 m=32 s=13
